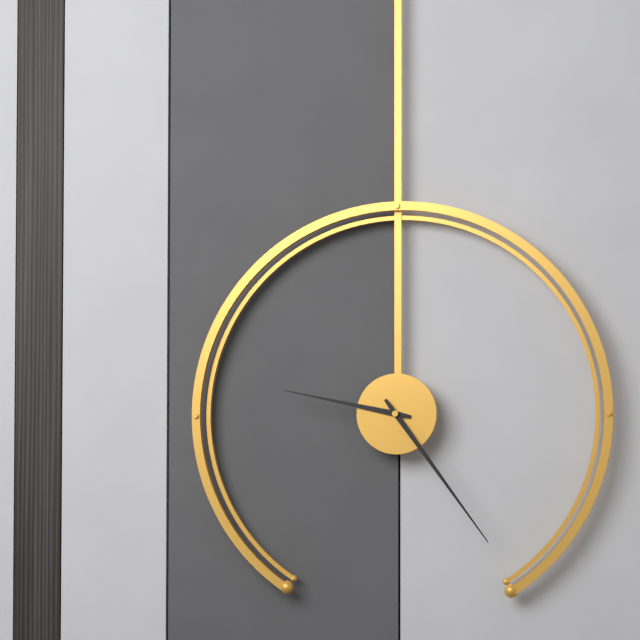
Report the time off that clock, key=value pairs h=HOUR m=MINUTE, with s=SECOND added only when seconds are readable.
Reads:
h=9 m=24
